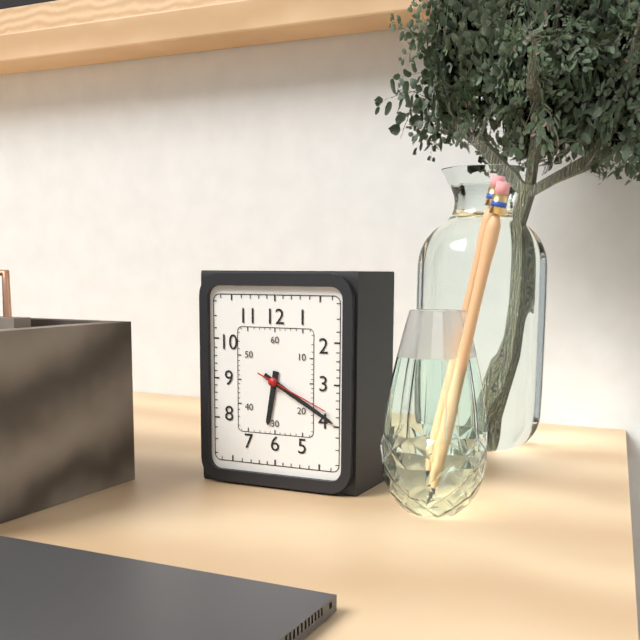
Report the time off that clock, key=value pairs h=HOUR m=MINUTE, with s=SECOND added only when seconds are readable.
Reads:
h=6 m=20 s=19
